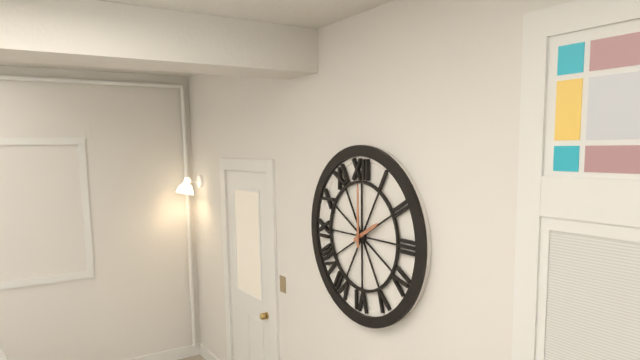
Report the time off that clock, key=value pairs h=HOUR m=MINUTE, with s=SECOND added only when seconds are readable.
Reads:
h=2 m=0
